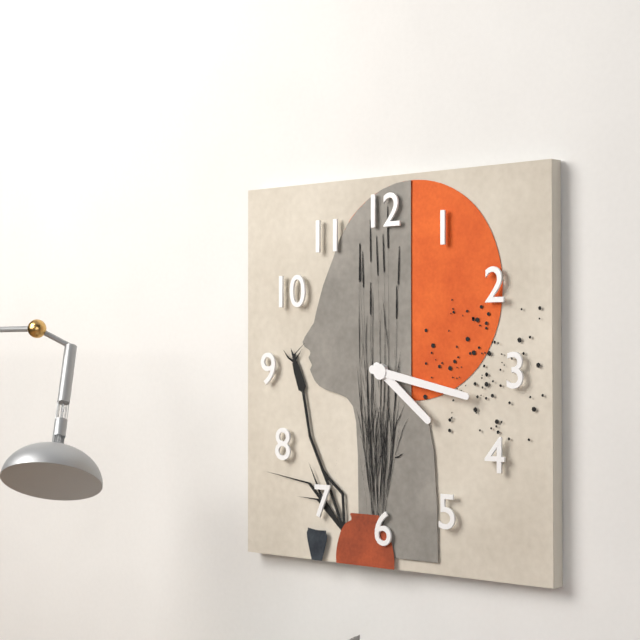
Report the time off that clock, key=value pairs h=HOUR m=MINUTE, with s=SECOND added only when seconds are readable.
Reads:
h=4 m=17
